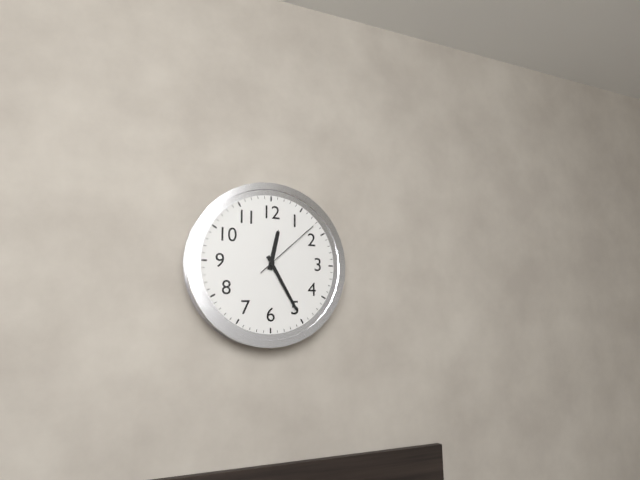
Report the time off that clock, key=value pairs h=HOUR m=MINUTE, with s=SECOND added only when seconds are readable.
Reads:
h=12 m=25 s=8
